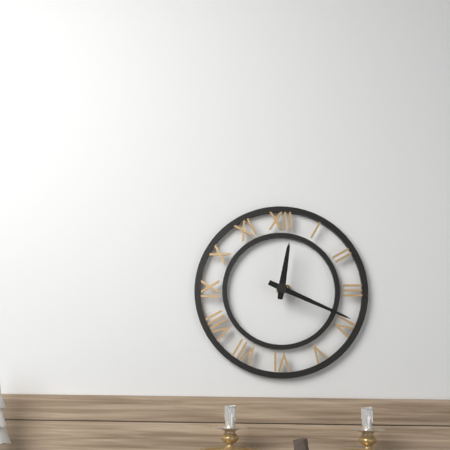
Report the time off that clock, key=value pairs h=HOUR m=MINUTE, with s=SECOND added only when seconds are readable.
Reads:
h=12 m=19
